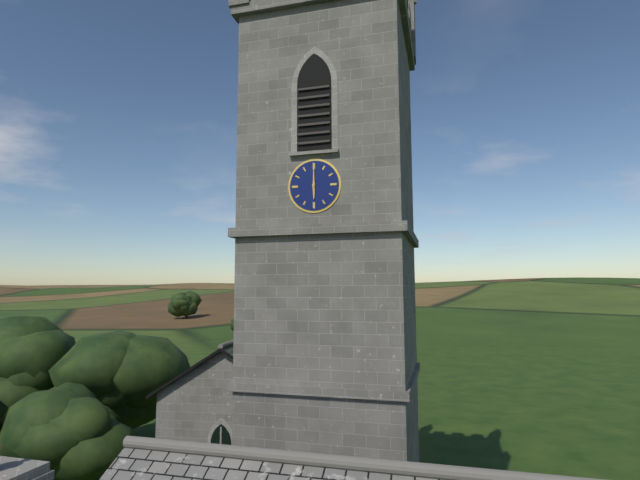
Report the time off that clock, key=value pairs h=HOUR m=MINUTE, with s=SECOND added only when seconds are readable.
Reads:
h=6 m=0
